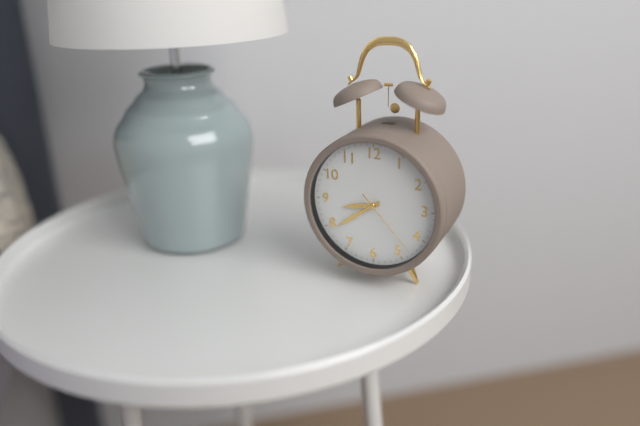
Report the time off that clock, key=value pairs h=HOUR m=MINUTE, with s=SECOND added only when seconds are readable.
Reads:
h=8 m=39 s=23
